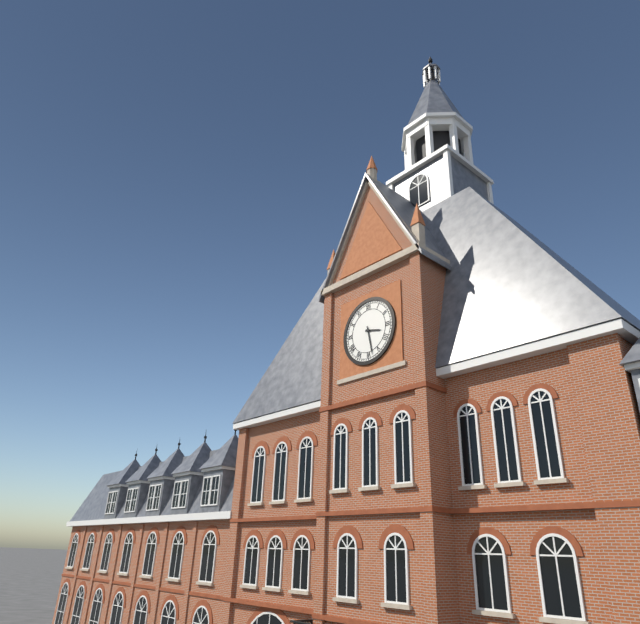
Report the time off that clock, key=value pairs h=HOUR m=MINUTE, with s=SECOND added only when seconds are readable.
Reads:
h=3 m=28
